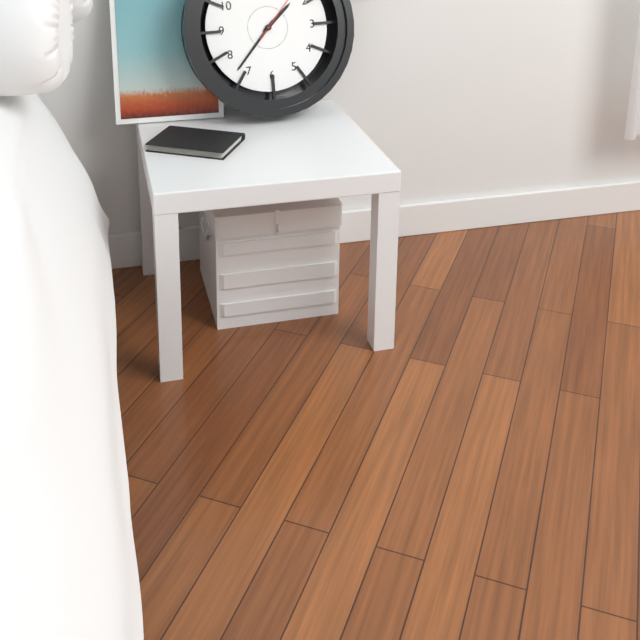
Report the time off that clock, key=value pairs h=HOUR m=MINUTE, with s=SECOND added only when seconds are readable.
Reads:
h=1 m=37
